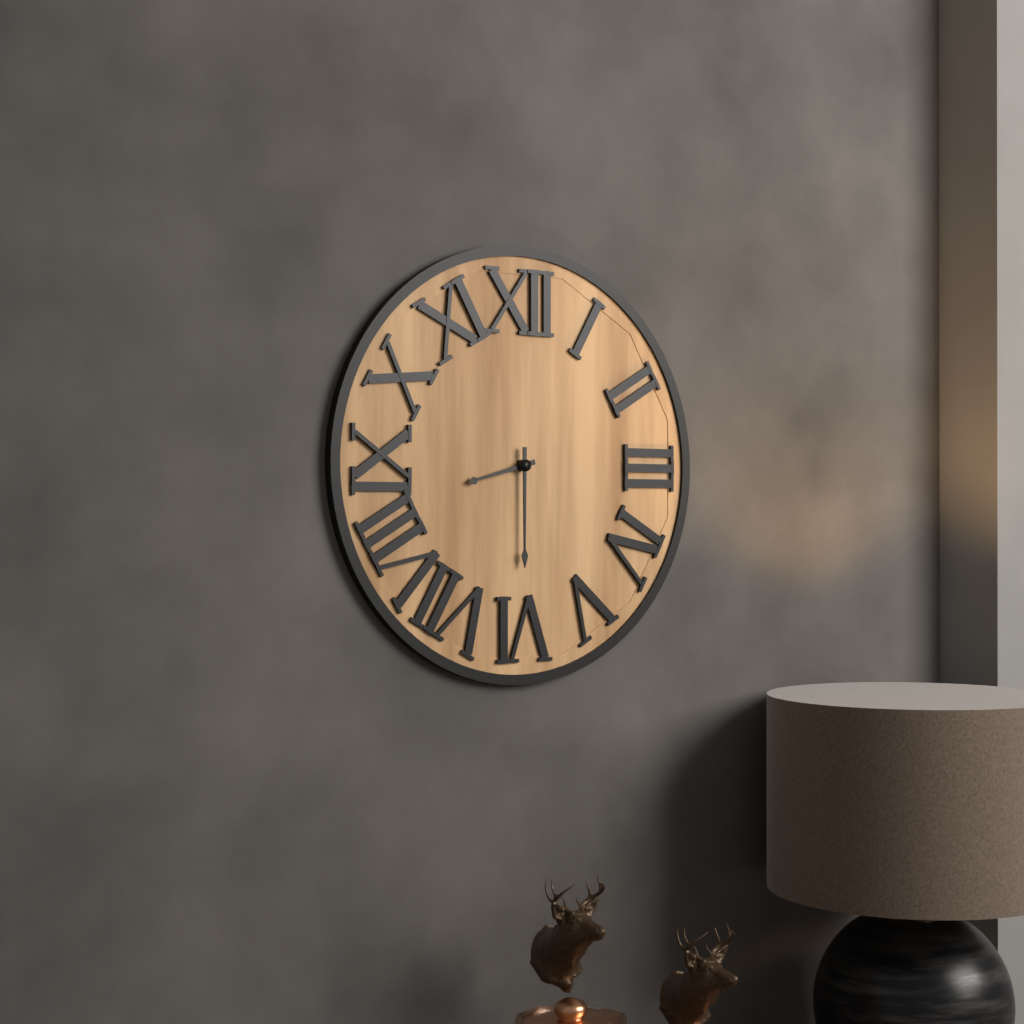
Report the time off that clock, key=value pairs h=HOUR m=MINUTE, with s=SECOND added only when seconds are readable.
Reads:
h=8 m=30
